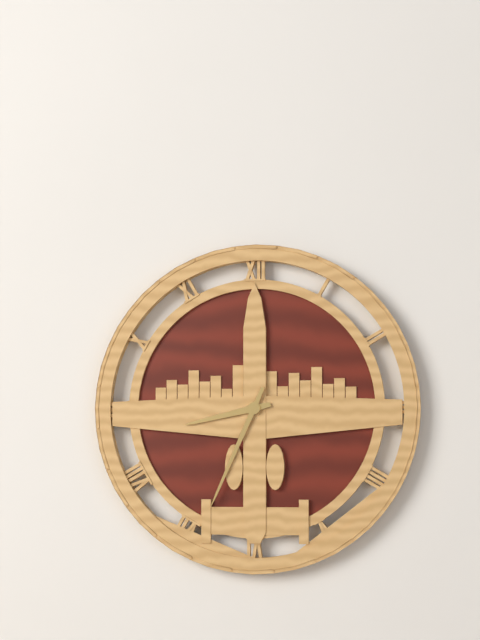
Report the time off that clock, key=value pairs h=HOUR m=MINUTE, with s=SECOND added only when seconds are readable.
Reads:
h=8 m=34
